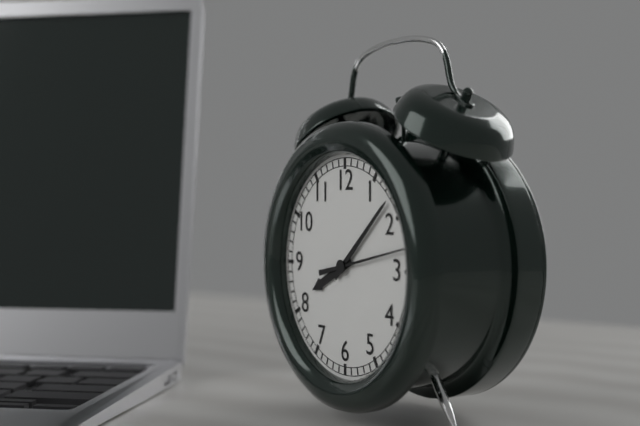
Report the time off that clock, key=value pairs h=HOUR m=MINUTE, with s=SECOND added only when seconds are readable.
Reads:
h=8 m=8 s=13
